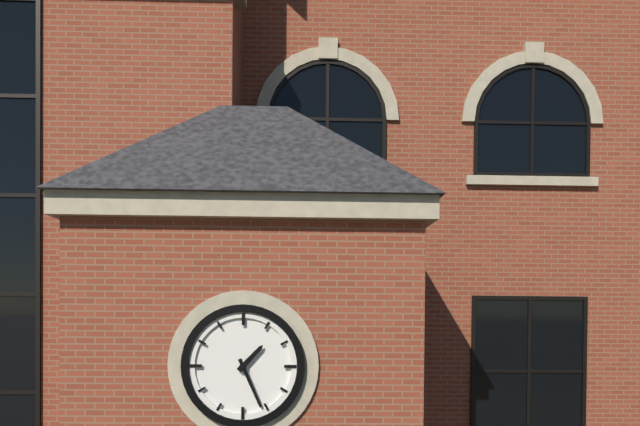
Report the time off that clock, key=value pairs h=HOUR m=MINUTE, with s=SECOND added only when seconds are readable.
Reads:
h=1 m=26
